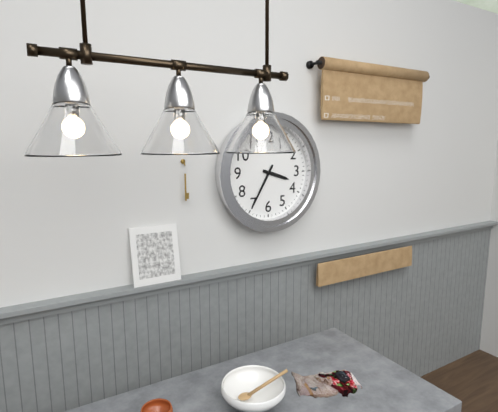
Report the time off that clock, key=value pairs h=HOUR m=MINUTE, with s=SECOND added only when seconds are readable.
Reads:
h=3 m=35
